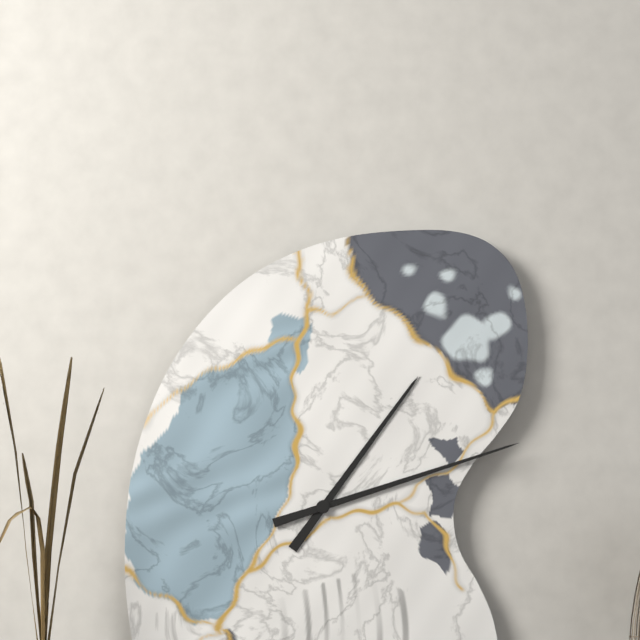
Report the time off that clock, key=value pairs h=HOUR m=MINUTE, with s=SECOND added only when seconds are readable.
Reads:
h=1 m=12
